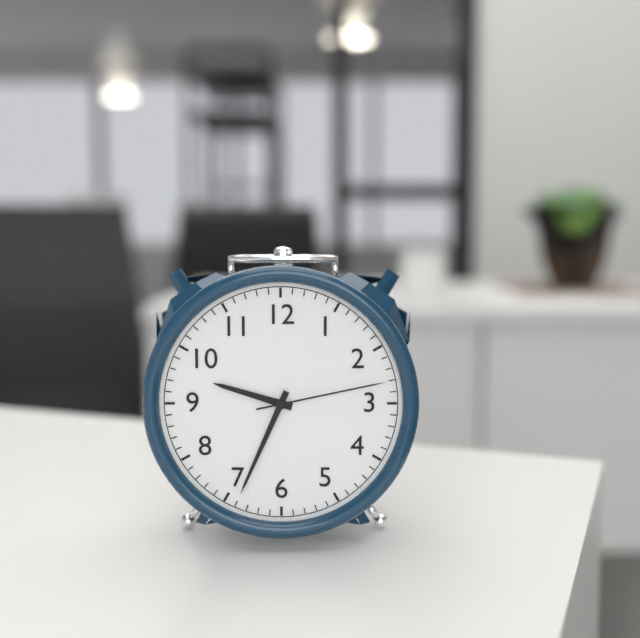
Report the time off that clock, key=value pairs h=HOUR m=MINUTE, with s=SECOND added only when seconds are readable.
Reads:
h=9 m=34 s=13
